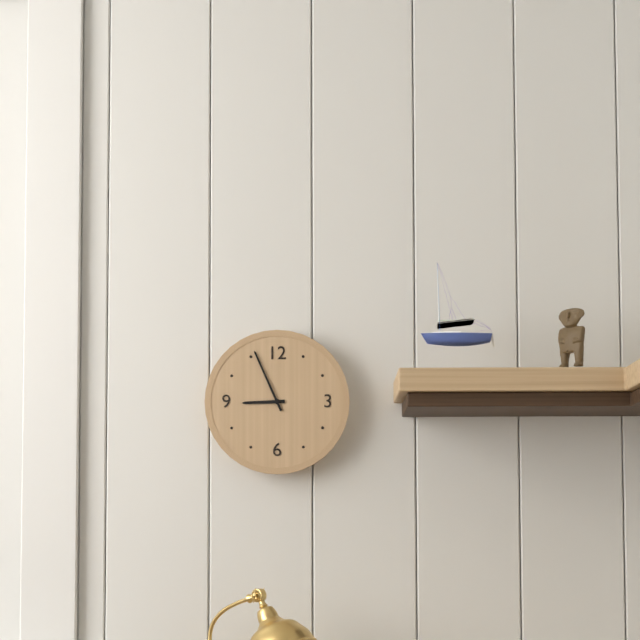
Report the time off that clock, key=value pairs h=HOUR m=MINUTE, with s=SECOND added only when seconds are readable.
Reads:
h=8 m=56
